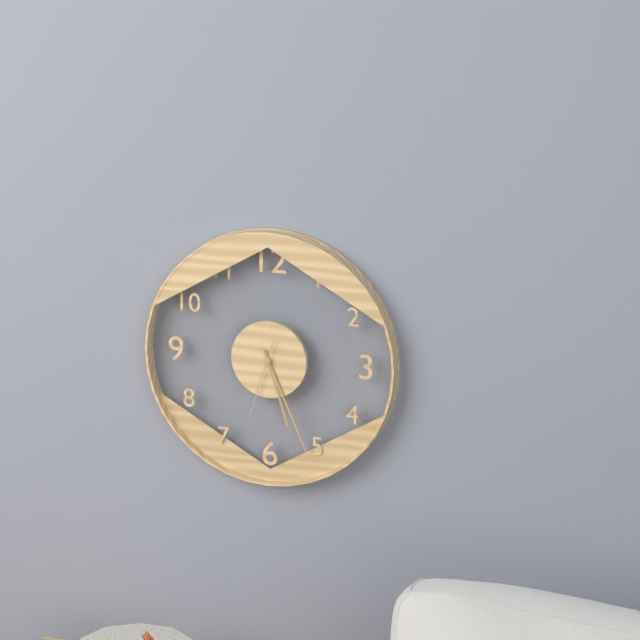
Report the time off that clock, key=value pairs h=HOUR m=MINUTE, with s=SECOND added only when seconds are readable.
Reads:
h=5 m=26 s=33
